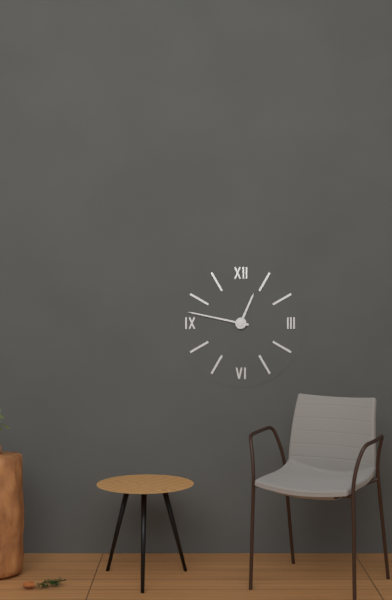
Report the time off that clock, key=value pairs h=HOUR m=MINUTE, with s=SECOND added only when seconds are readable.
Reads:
h=12 m=47
